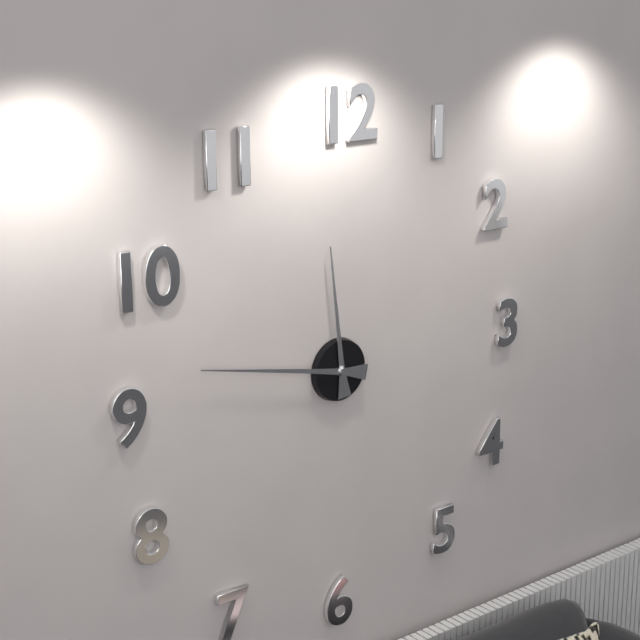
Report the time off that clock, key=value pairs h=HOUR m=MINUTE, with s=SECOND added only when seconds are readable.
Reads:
h=11 m=47
